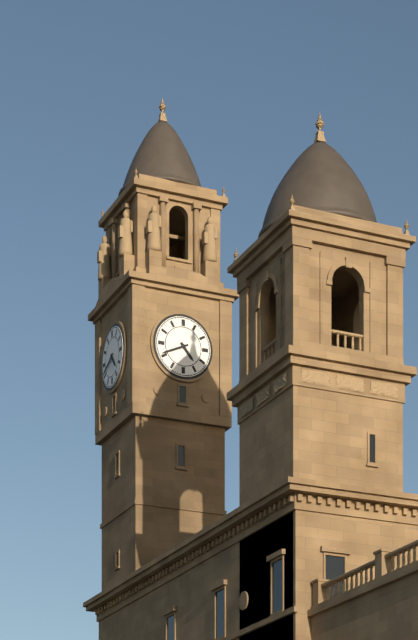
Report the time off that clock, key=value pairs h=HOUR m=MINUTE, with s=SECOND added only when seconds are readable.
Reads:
h=4 m=41
